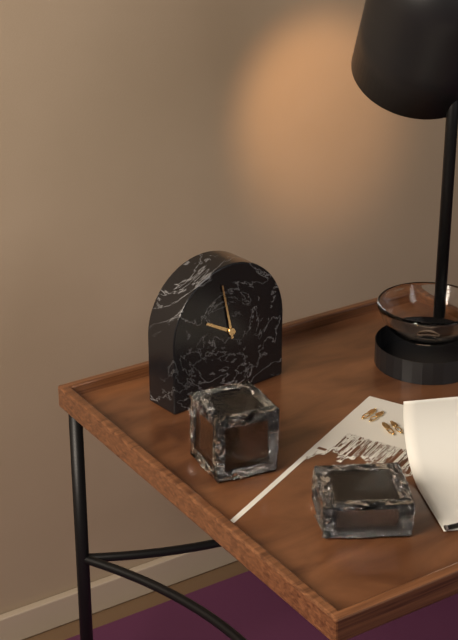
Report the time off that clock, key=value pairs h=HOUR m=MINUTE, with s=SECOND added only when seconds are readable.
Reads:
h=9 m=58
